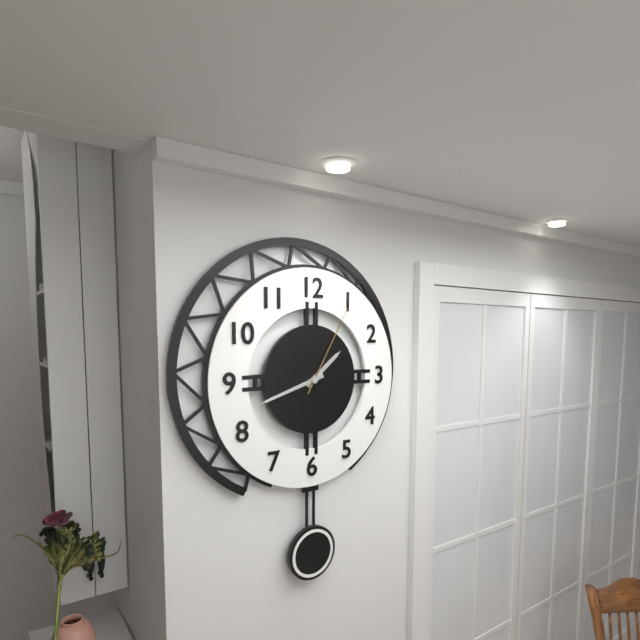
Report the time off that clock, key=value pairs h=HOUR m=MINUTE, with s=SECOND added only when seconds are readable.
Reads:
h=1 m=42 s=5
